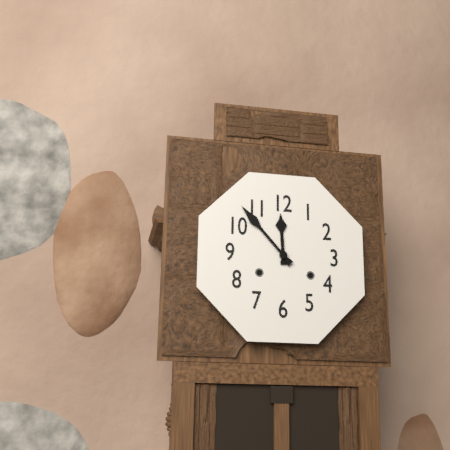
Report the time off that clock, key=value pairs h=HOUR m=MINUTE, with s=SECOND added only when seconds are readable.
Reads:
h=11 m=53
